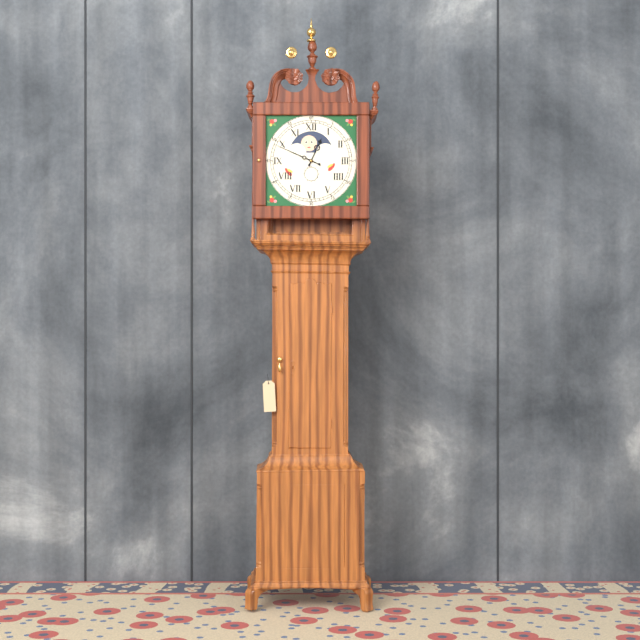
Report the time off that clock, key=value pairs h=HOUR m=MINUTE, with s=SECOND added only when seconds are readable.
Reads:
h=12 m=49
